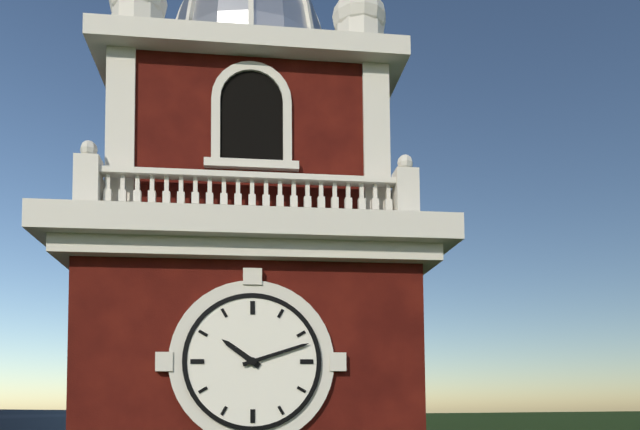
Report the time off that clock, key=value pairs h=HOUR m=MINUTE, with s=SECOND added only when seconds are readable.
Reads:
h=10 m=12
